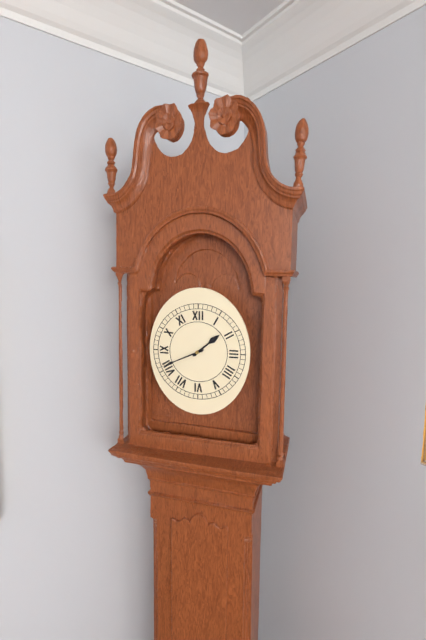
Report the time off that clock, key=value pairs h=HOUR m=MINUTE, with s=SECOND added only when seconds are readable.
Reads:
h=1 m=41
